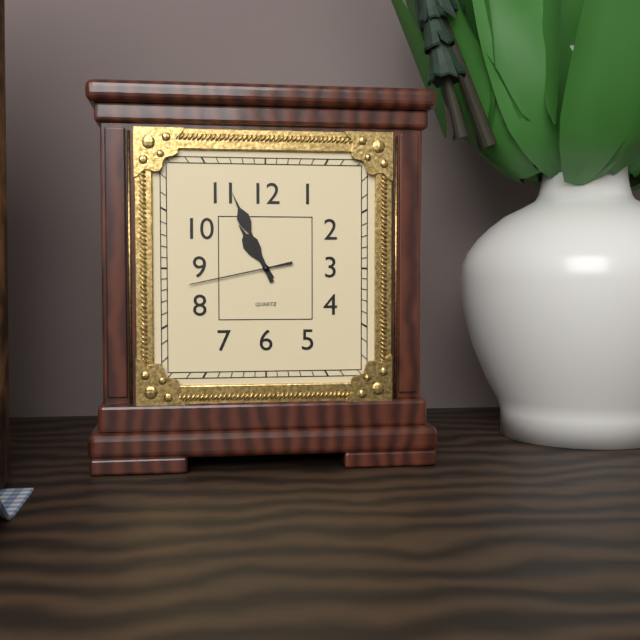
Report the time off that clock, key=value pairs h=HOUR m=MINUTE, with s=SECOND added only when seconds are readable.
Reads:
h=10 m=56 s=43
